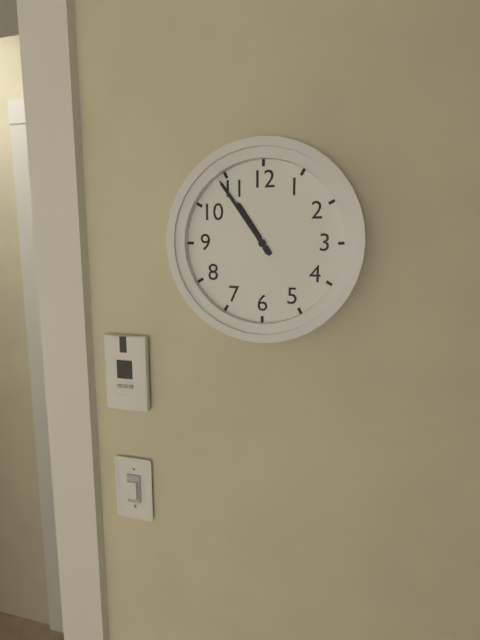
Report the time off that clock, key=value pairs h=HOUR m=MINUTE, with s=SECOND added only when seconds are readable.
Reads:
h=10 m=54
